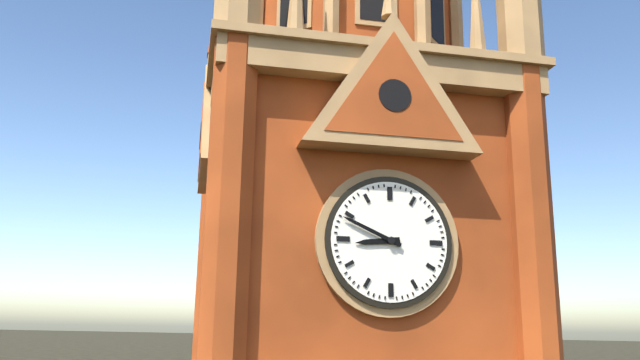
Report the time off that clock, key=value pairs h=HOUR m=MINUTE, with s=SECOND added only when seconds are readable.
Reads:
h=8 m=49
